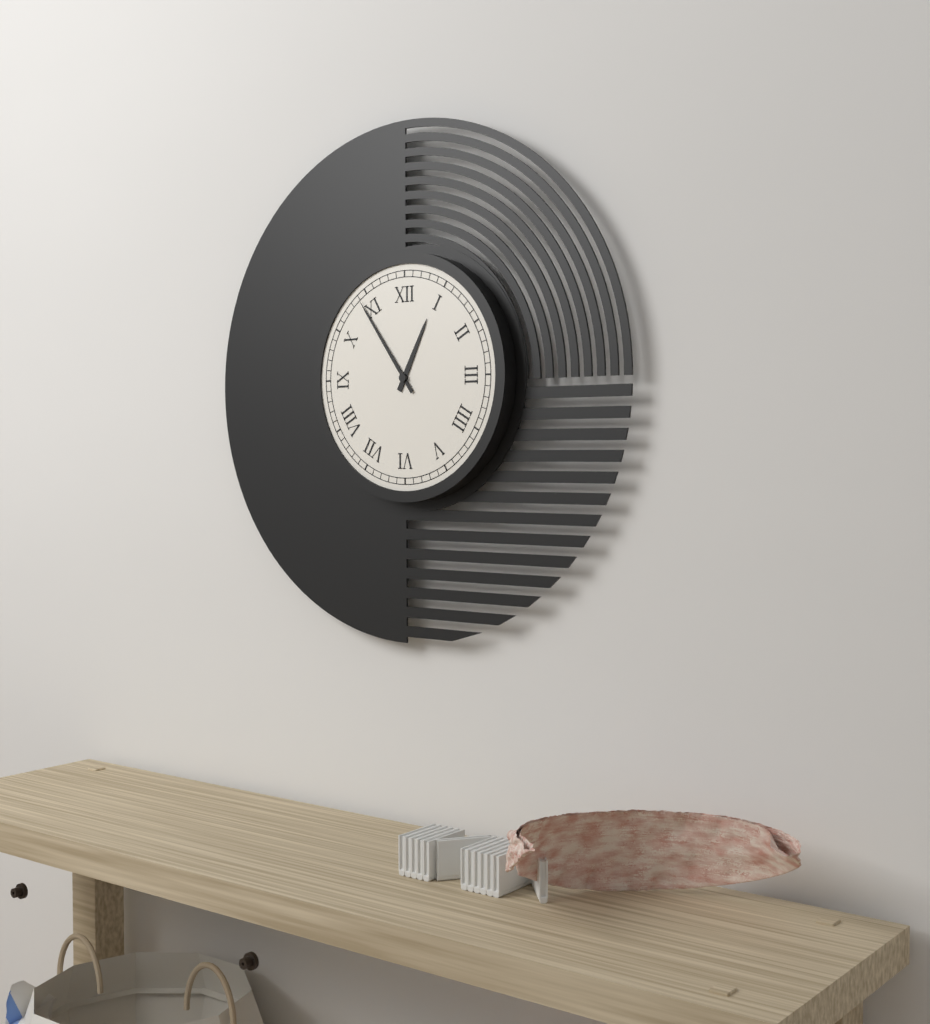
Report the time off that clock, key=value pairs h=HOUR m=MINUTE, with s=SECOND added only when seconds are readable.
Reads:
h=12 m=54
